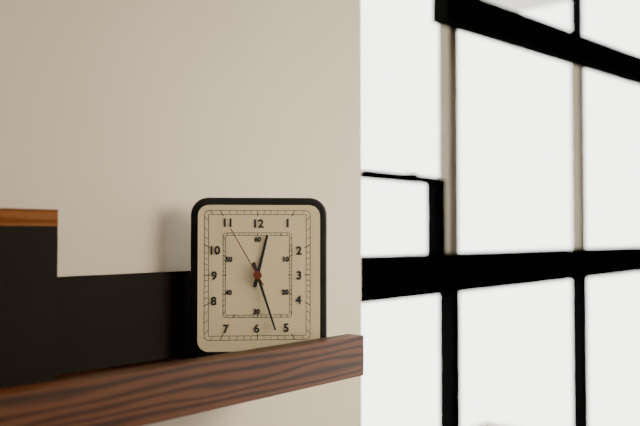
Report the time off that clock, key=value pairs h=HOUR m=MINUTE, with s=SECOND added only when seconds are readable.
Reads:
h=12 m=27 s=55
